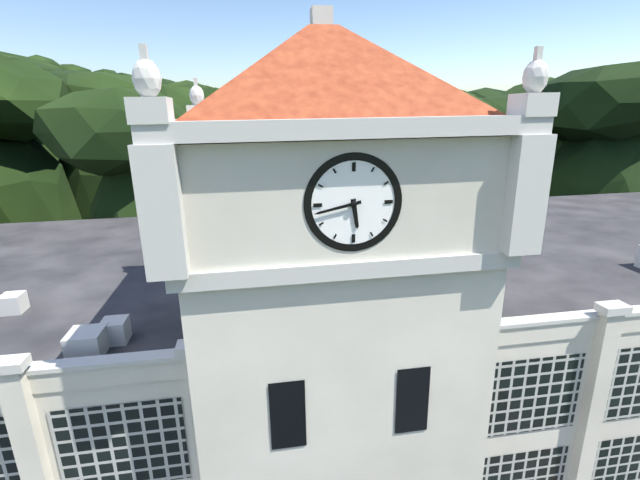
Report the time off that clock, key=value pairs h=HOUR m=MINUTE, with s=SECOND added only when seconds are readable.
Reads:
h=5 m=43
